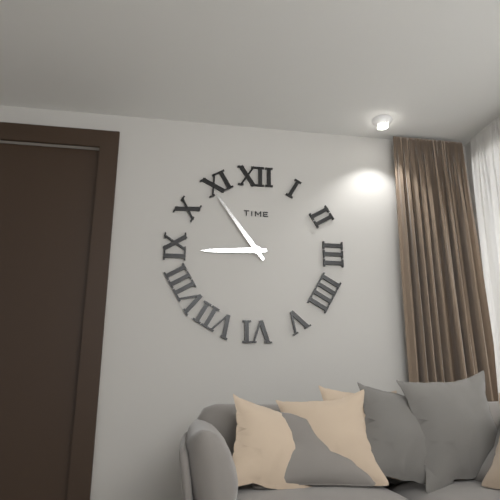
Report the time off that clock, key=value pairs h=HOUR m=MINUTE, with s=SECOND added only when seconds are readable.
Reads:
h=8 m=54
